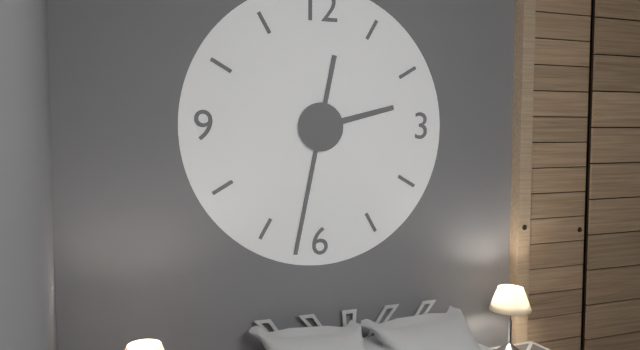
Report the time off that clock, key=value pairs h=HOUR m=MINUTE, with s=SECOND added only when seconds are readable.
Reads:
h=2 m=32
